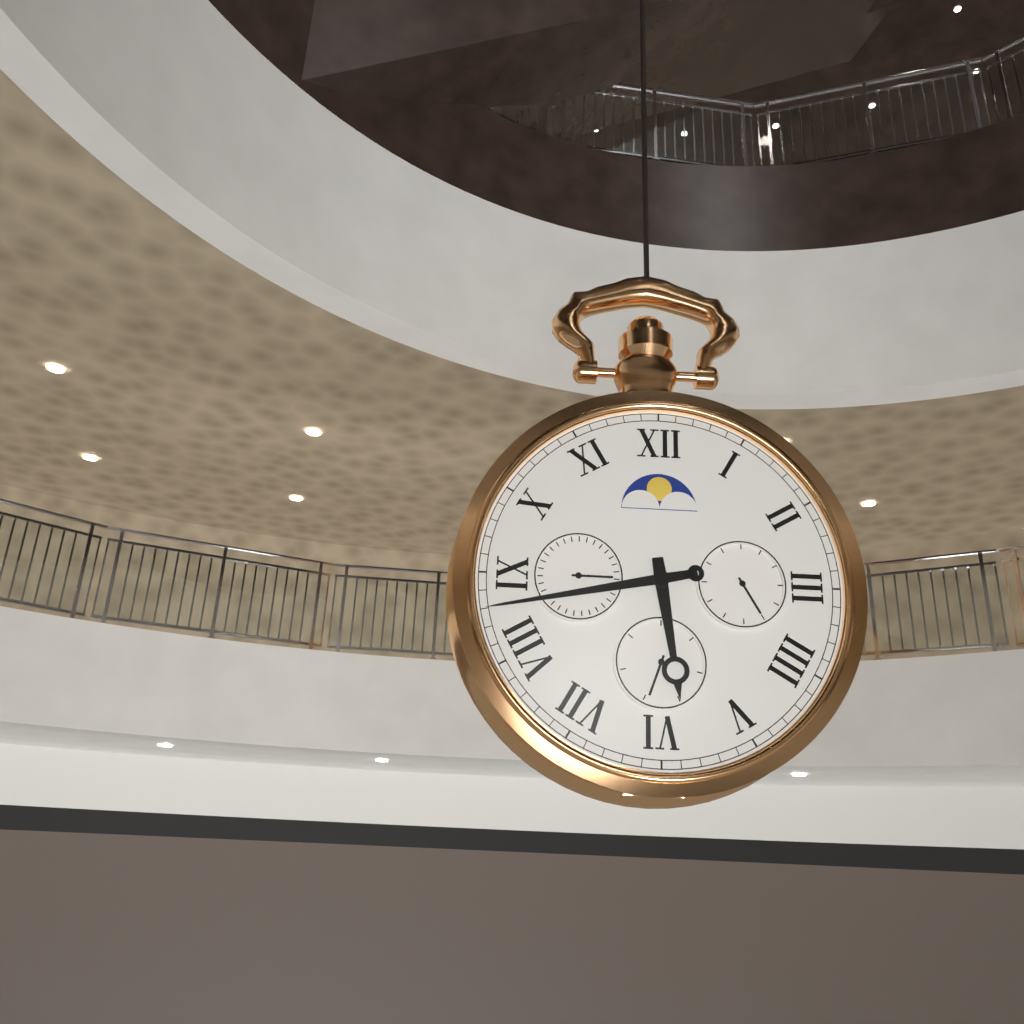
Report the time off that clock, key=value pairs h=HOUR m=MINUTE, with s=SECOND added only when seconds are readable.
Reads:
h=5 m=43
